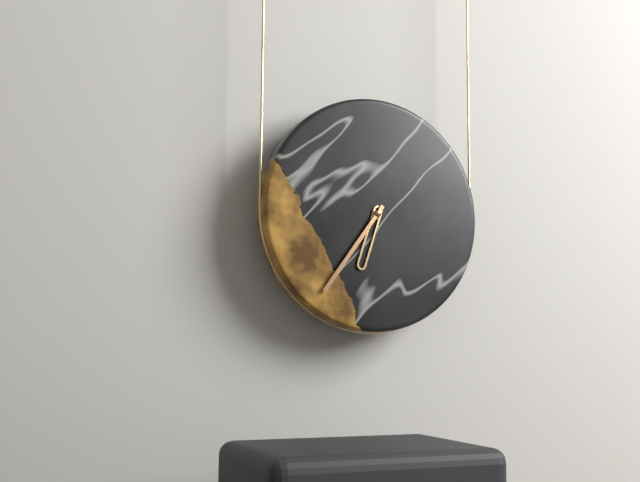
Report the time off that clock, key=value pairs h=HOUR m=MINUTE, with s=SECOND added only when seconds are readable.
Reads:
h=6 m=36
